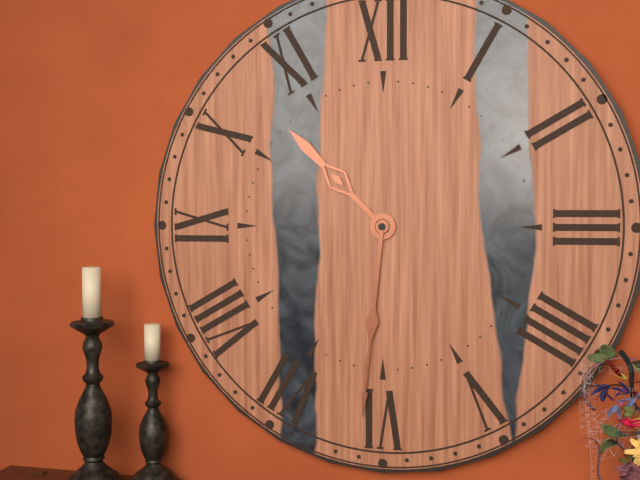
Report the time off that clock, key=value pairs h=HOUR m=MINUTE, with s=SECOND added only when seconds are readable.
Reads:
h=10 m=31
